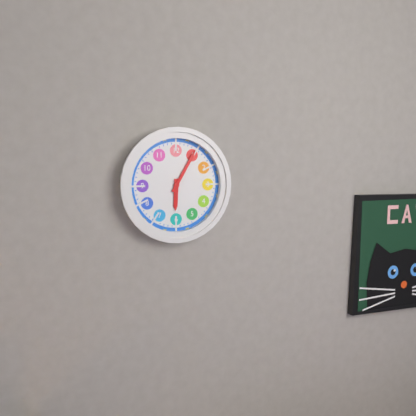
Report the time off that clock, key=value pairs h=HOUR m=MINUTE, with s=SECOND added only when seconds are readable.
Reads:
h=6 m=5
